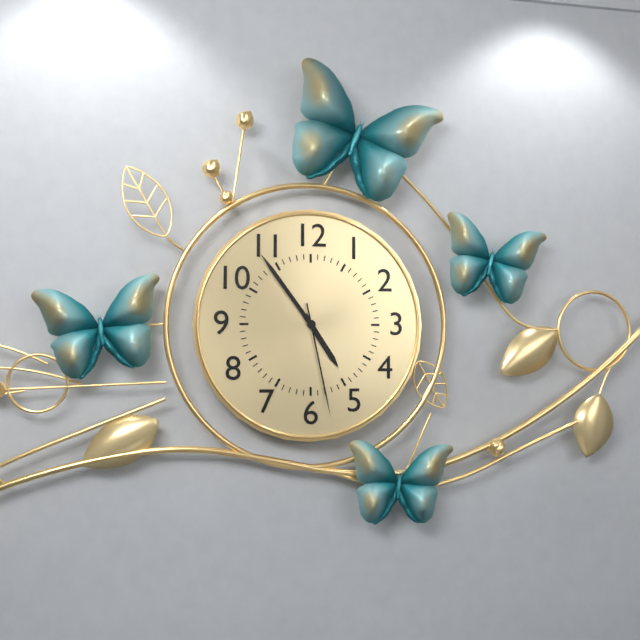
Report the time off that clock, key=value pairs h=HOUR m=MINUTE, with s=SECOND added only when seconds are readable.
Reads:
h=4 m=54 s=28
